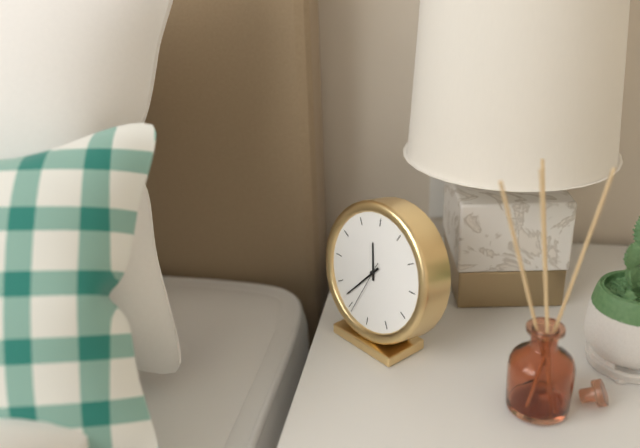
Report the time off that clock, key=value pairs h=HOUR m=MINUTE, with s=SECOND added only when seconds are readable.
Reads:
h=11 m=37 s=34
